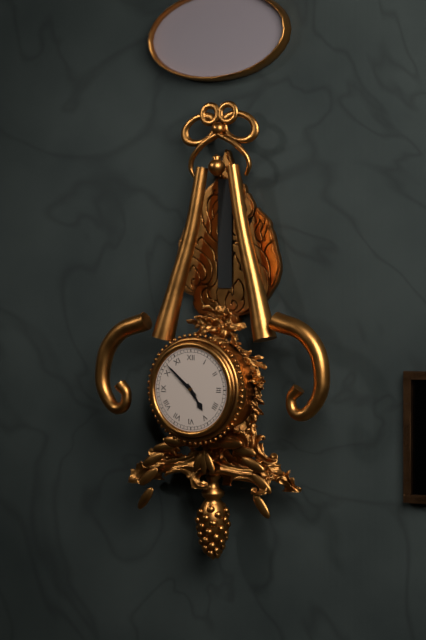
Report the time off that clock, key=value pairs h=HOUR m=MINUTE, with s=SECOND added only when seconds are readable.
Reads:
h=4 m=52
